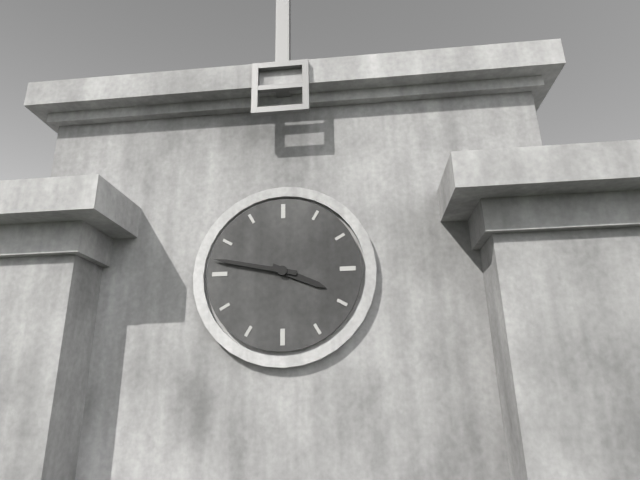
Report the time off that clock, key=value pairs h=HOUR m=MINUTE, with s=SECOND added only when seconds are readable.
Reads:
h=3 m=47
